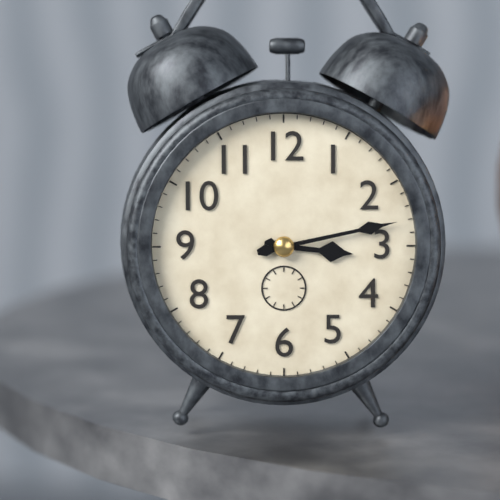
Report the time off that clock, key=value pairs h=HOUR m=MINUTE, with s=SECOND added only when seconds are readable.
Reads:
h=3 m=13
